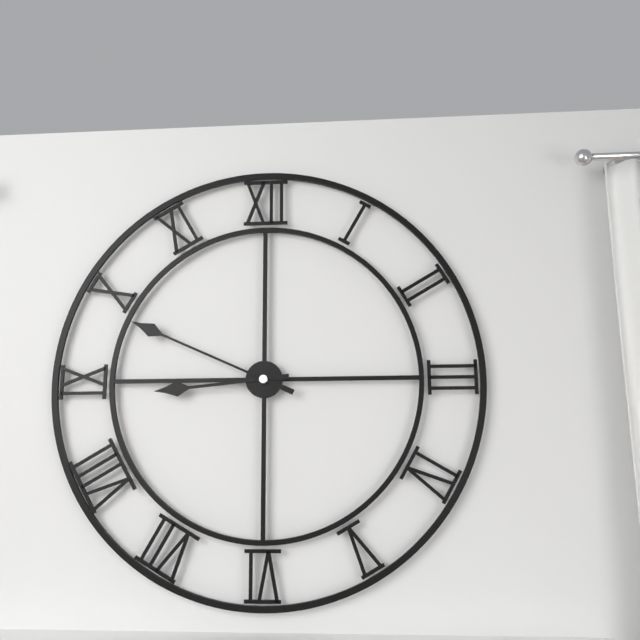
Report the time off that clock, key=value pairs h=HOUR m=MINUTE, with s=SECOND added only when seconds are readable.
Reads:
h=8 m=49
